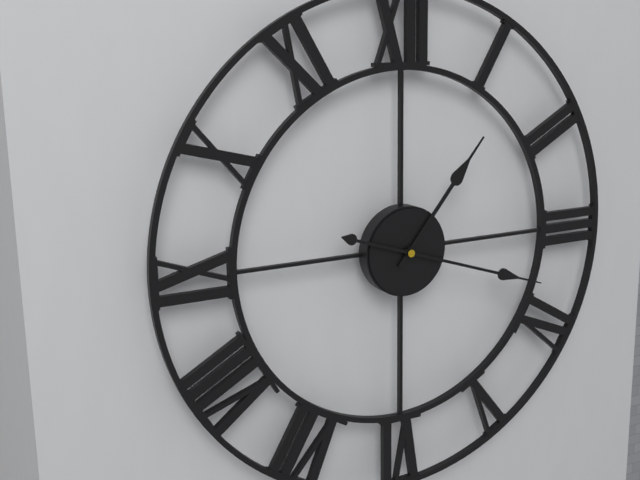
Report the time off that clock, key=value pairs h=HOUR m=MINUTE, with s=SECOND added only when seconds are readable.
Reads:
h=1 m=18
